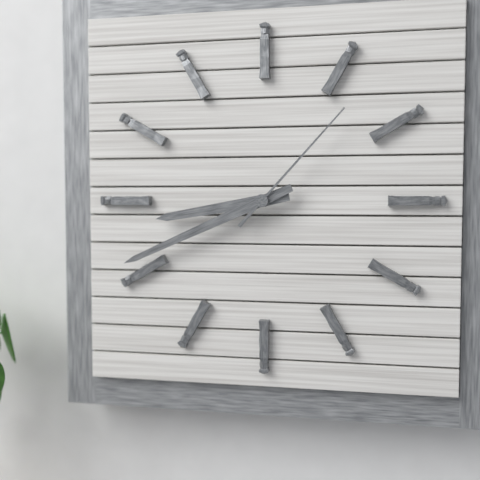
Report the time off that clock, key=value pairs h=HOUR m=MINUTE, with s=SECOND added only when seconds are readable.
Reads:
h=8 m=41 s=7
